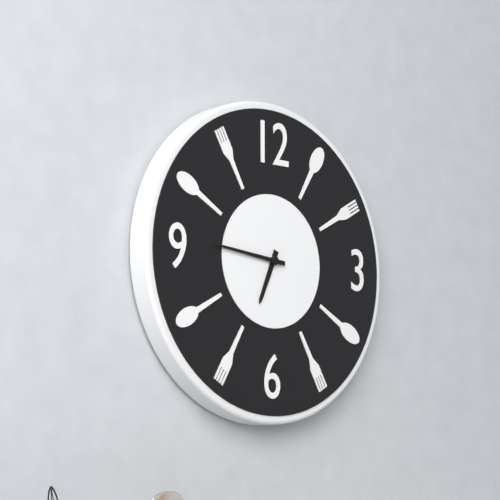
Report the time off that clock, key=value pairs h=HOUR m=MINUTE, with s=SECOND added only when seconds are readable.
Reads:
h=6 m=46
